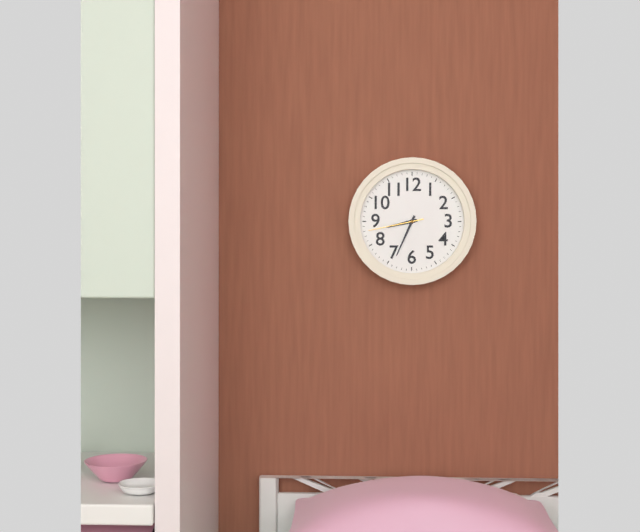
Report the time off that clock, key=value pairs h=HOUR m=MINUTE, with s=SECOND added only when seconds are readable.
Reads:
h=8 m=34 s=43
